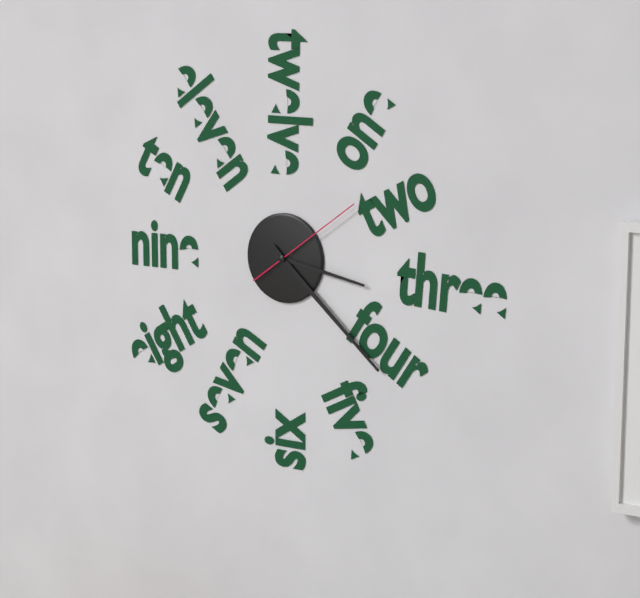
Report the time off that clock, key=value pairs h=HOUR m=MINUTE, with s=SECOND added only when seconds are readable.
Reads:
h=3 m=22 s=9
